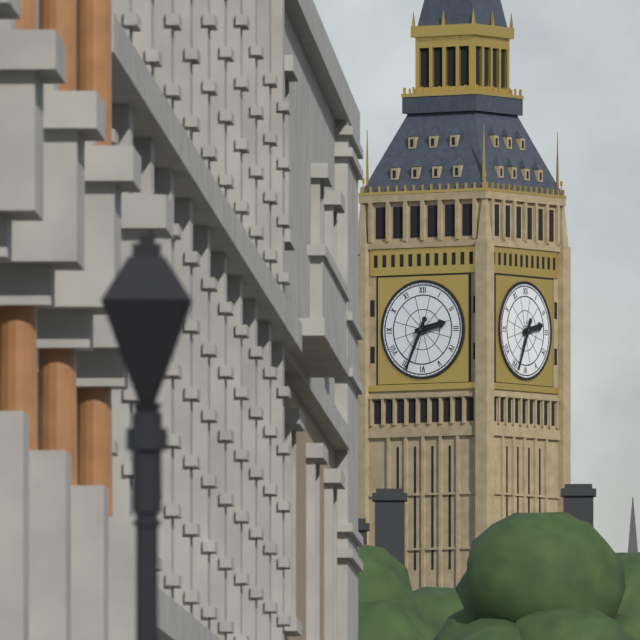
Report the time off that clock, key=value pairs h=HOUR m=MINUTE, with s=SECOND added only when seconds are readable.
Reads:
h=2 m=34
